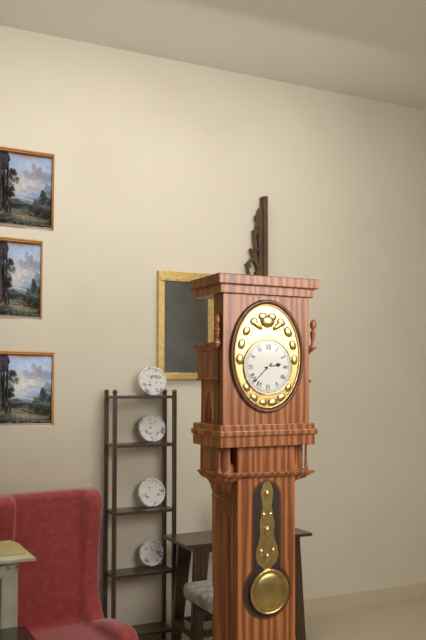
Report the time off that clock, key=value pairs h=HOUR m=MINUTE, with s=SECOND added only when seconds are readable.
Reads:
h=2 m=38
